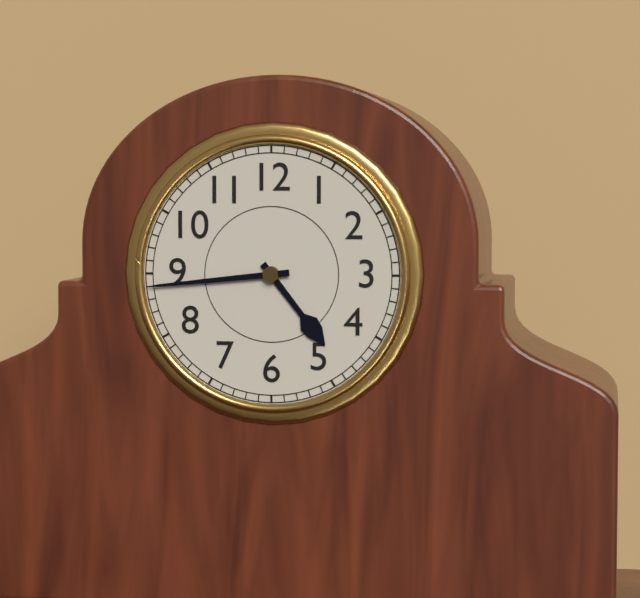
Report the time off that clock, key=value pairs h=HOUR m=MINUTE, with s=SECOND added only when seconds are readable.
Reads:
h=4 m=44
